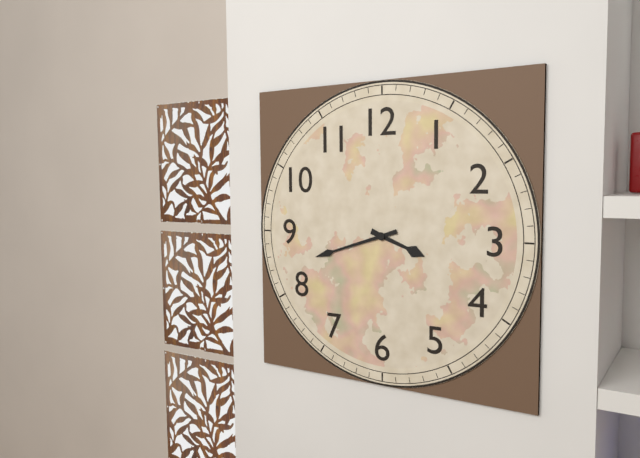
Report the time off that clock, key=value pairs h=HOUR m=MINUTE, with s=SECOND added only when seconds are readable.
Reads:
h=3 m=42
